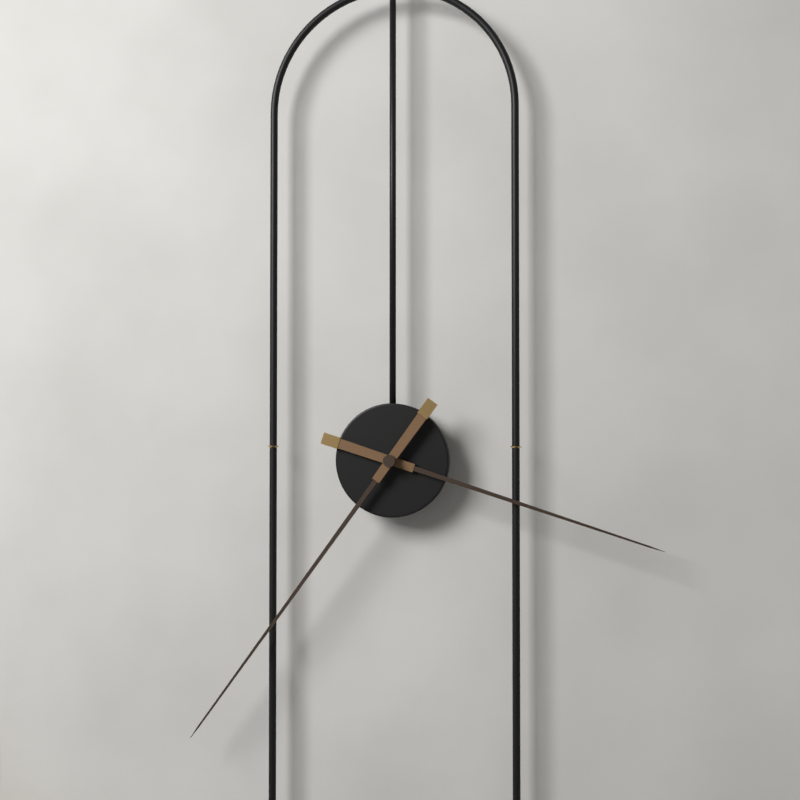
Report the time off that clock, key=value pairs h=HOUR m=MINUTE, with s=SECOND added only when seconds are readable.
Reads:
h=3 m=36
